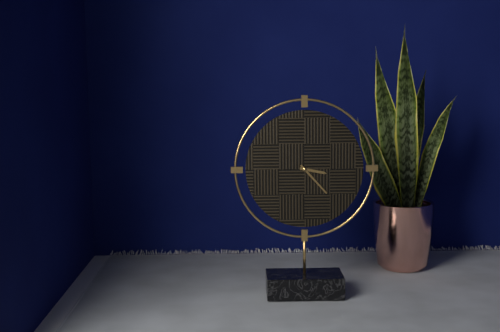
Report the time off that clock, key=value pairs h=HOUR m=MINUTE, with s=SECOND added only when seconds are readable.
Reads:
h=3 m=23
